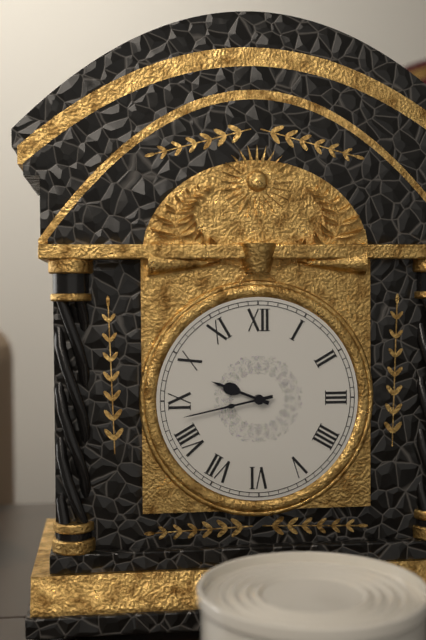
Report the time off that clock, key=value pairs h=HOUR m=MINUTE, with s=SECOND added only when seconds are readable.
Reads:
h=9 m=43
